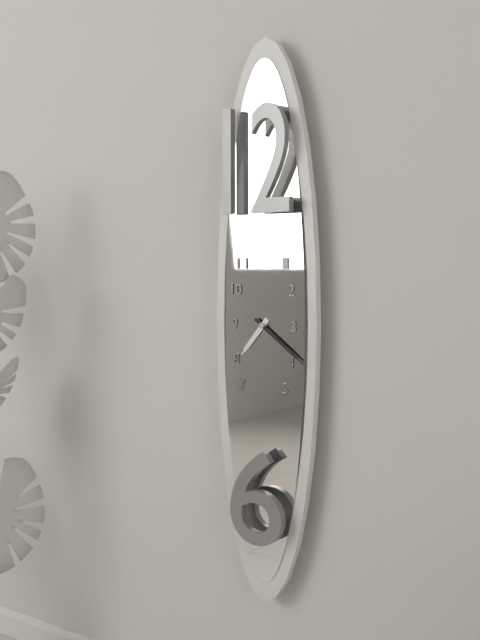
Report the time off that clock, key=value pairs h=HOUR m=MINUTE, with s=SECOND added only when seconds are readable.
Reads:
h=7 m=21
